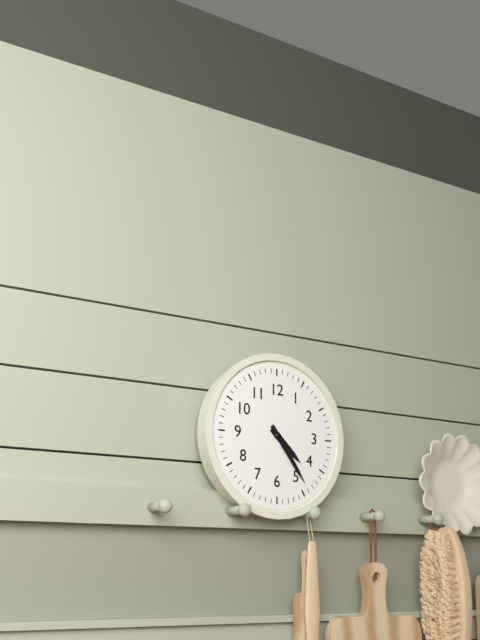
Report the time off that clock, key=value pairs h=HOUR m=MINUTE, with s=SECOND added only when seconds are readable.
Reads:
h=4 m=24
